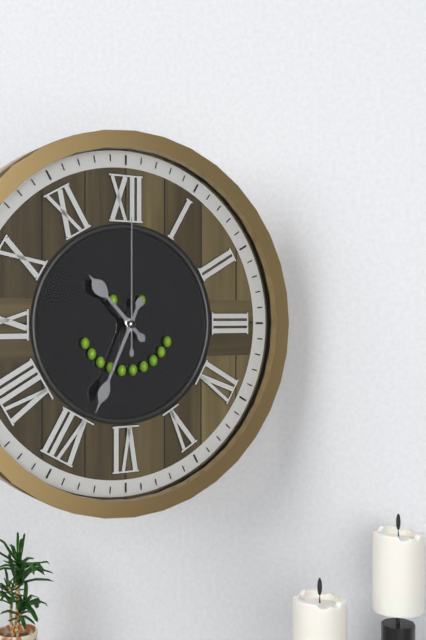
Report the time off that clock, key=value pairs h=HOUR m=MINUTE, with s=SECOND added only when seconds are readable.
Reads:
h=10 m=34 s=0
